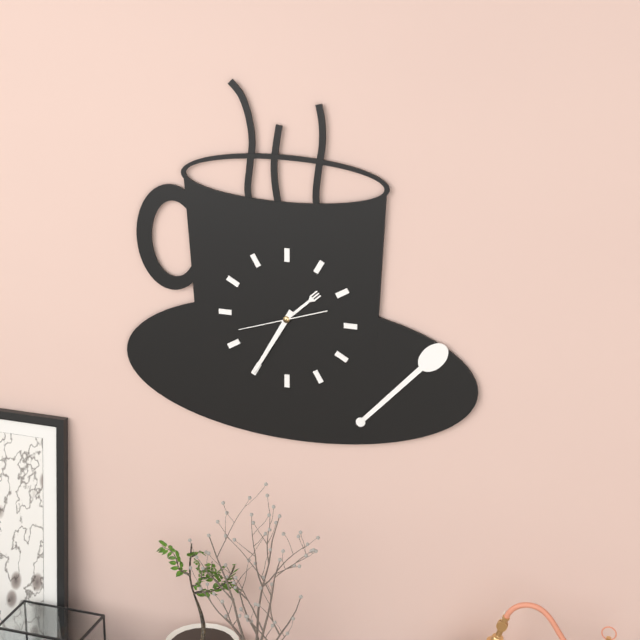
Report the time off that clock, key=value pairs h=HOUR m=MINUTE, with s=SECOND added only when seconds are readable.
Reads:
h=1 m=35 s=42
